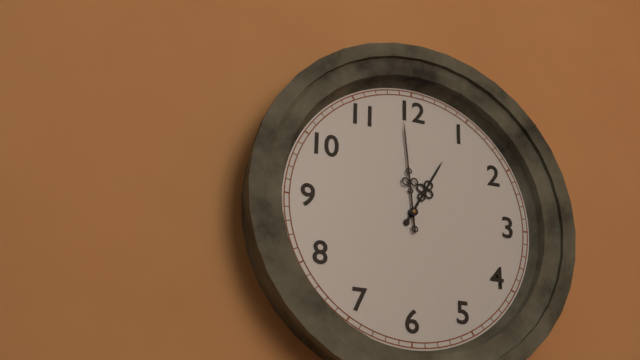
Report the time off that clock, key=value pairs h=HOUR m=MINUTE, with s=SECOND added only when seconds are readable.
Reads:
h=12 m=59
